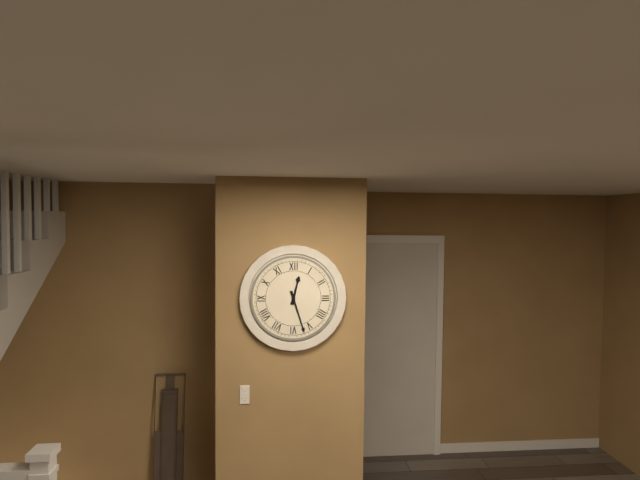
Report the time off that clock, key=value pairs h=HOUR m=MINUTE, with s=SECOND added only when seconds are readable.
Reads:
h=12 m=27
